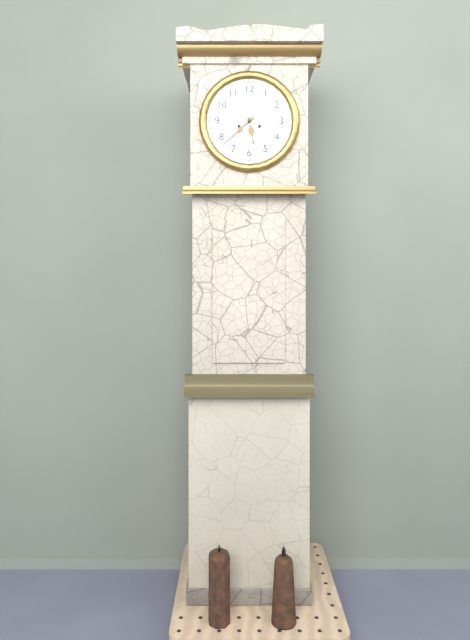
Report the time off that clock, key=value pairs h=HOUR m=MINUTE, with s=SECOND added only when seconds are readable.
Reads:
h=5 m=38
